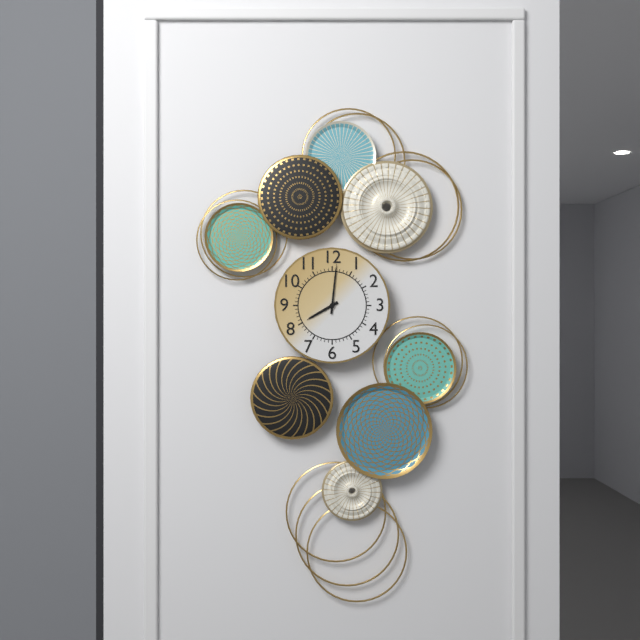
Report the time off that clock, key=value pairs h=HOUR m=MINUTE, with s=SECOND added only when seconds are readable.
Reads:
h=8 m=1
